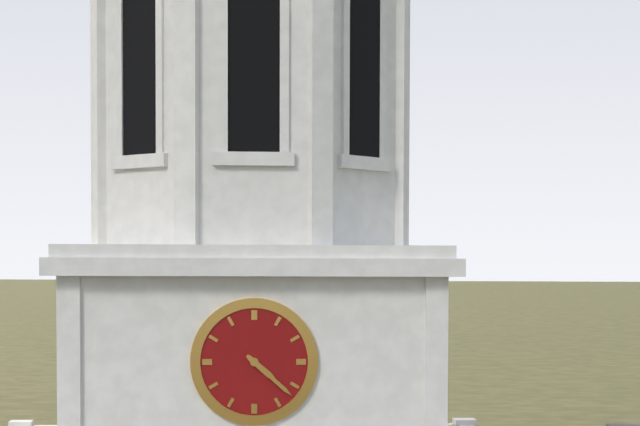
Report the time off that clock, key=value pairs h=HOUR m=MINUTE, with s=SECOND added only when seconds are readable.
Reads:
h=4 m=22
